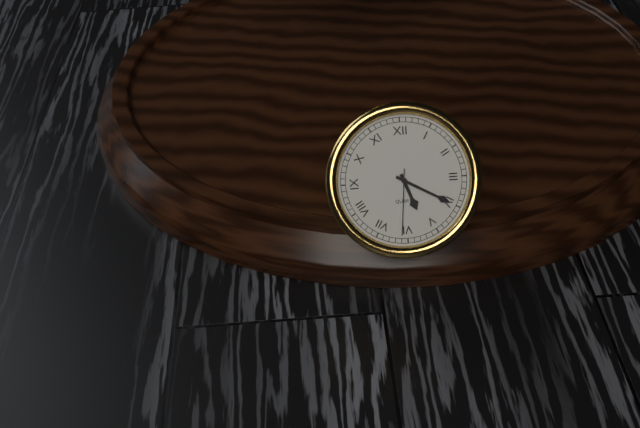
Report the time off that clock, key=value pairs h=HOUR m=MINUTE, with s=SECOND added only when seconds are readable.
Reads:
h=5 m=20 s=31
